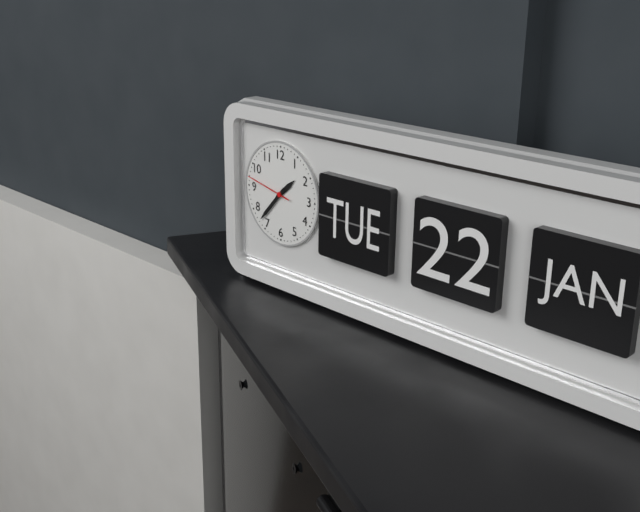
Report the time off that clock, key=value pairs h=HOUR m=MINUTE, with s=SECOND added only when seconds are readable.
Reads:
h=1 m=37
